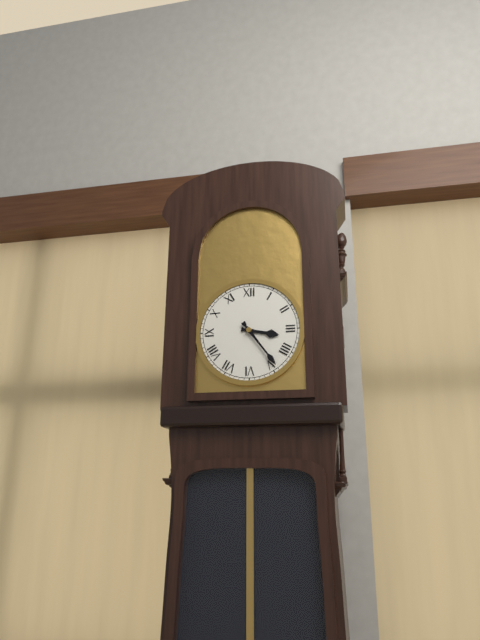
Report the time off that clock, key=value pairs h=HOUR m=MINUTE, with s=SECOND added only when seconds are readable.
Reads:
h=3 m=24
